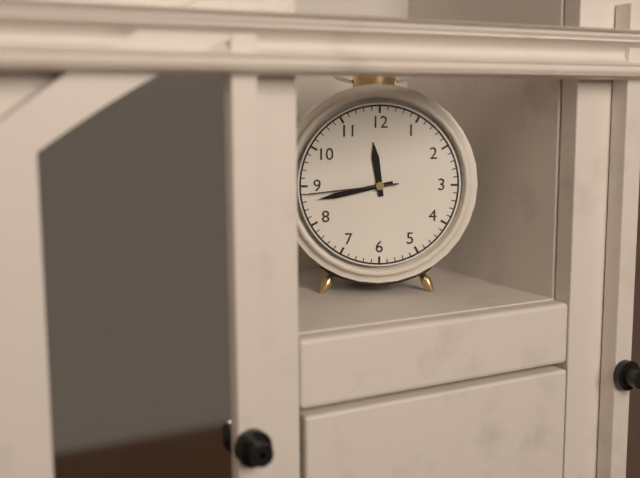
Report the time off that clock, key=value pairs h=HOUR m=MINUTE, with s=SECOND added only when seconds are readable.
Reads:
h=11 m=43 s=44
